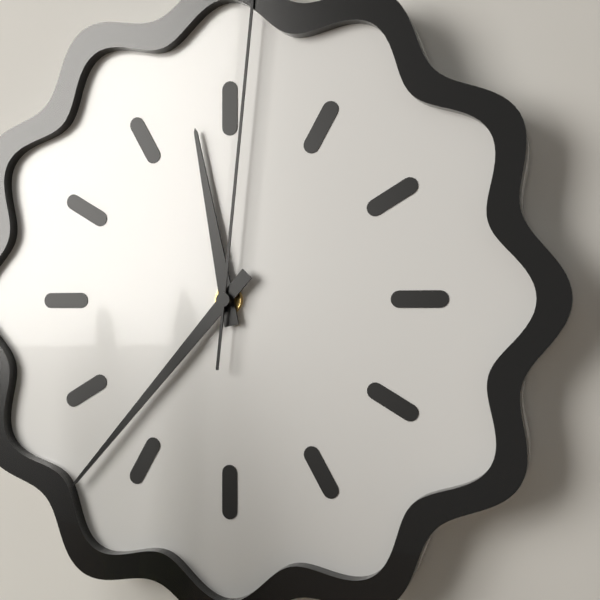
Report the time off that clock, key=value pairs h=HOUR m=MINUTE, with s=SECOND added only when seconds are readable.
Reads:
h=11 m=37
